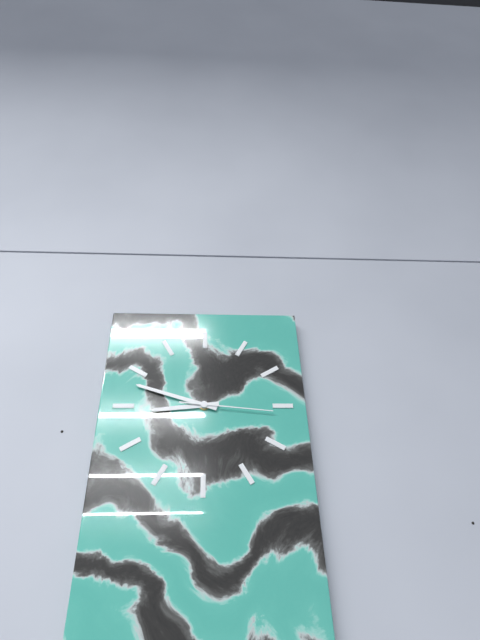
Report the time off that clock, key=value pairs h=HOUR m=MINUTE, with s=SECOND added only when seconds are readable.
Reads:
h=8 m=48 s=16
